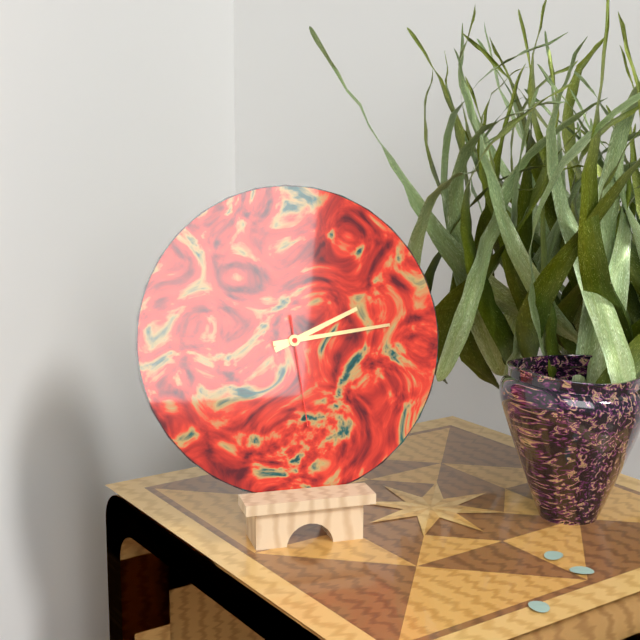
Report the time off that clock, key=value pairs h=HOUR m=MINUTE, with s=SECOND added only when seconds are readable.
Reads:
h=2 m=14 s=29
